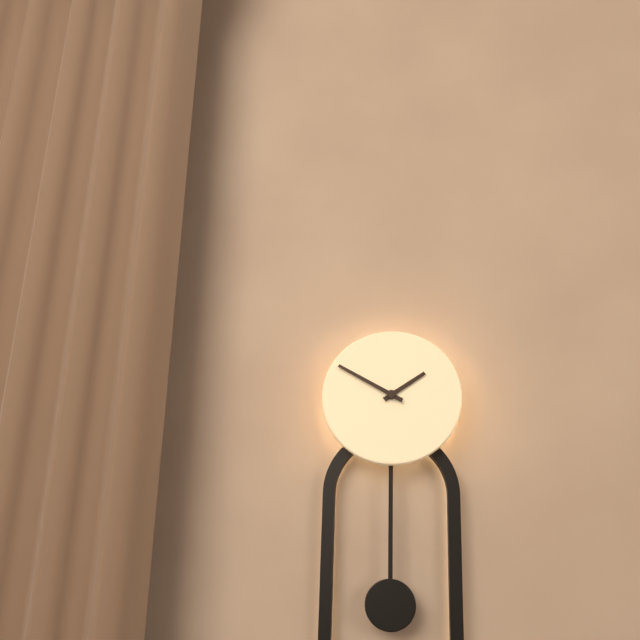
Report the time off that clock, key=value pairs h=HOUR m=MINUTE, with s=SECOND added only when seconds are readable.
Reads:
h=1 m=50
